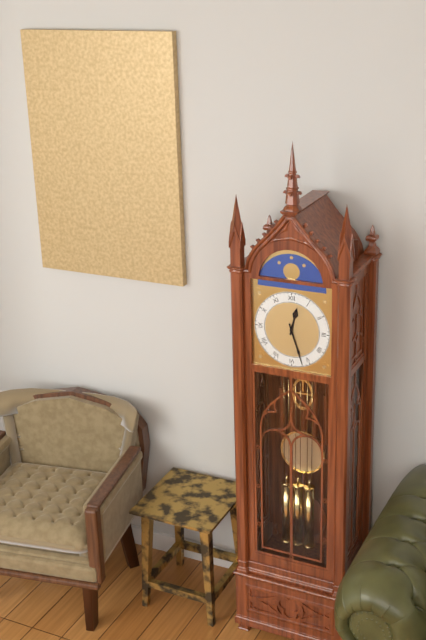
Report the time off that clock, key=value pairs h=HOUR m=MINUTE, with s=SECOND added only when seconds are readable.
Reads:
h=12 m=27
